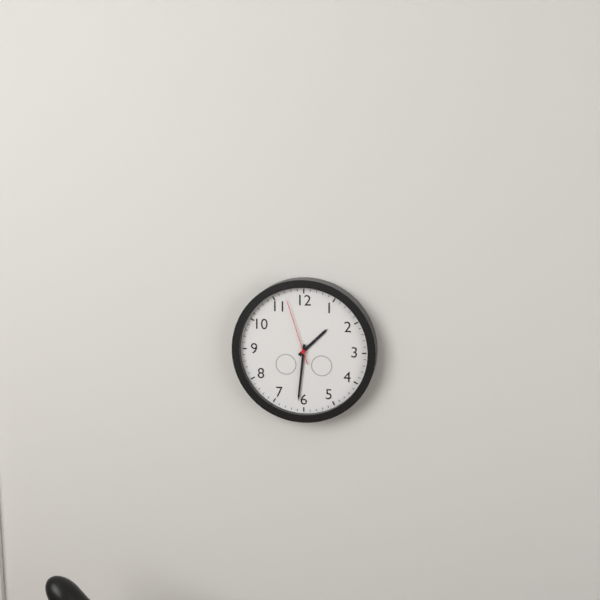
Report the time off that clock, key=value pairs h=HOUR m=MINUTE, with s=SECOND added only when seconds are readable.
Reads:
h=1 m=31 s=57
